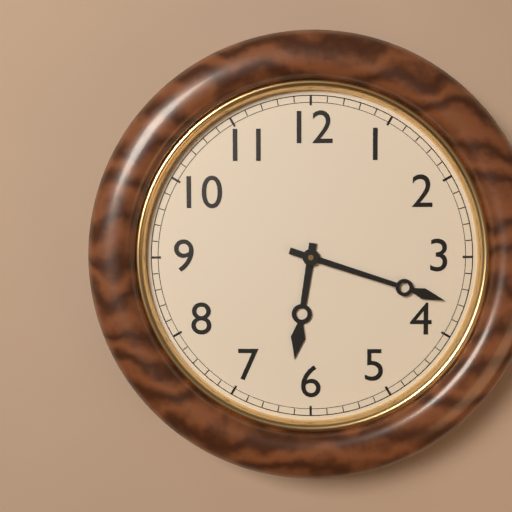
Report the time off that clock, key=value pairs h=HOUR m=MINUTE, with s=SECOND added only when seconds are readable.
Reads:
h=6 m=18
